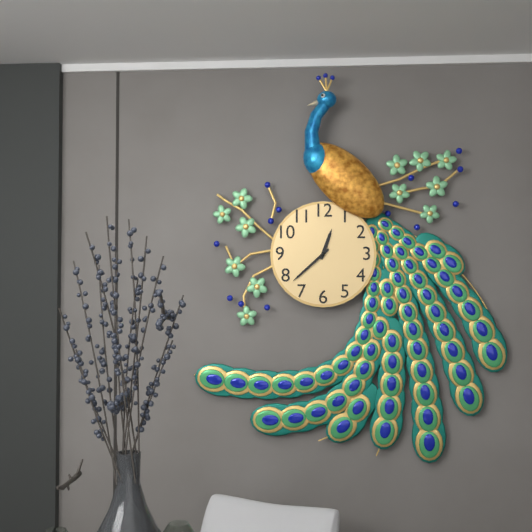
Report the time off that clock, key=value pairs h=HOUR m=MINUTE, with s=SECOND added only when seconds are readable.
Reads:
h=12 m=38
